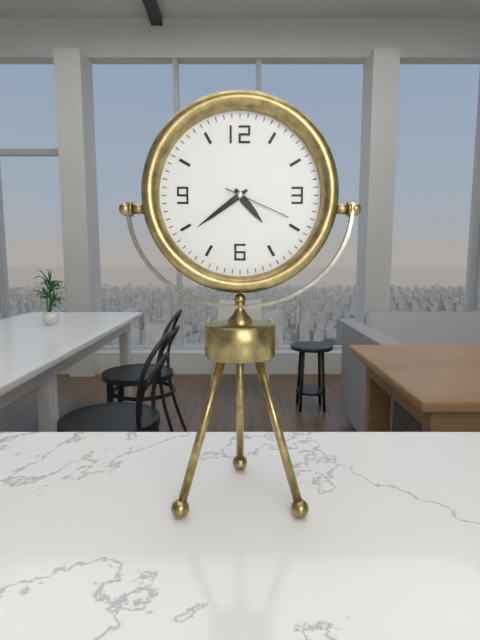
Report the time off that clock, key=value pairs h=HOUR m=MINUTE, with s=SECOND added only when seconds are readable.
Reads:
h=4 m=39 s=19
